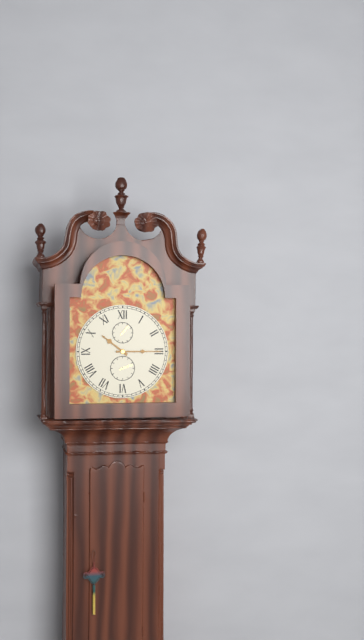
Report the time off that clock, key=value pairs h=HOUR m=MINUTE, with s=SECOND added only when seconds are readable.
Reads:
h=10 m=15
